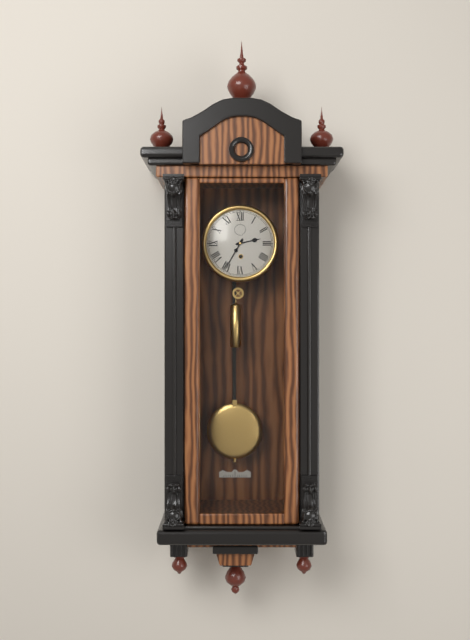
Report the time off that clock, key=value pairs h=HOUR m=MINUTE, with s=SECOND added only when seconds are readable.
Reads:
h=2 m=35
